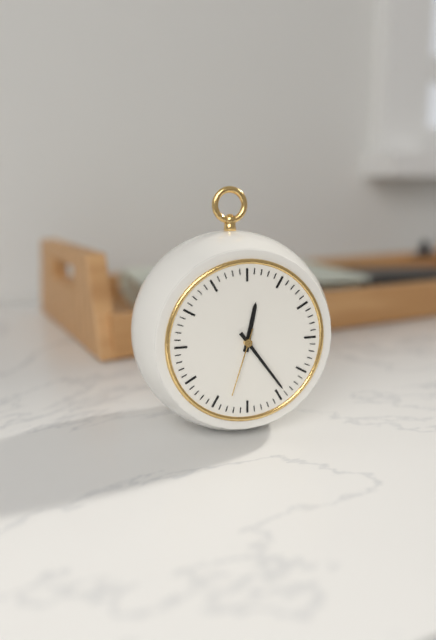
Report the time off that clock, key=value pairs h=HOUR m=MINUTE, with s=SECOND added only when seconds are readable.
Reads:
h=12 m=24 s=33
